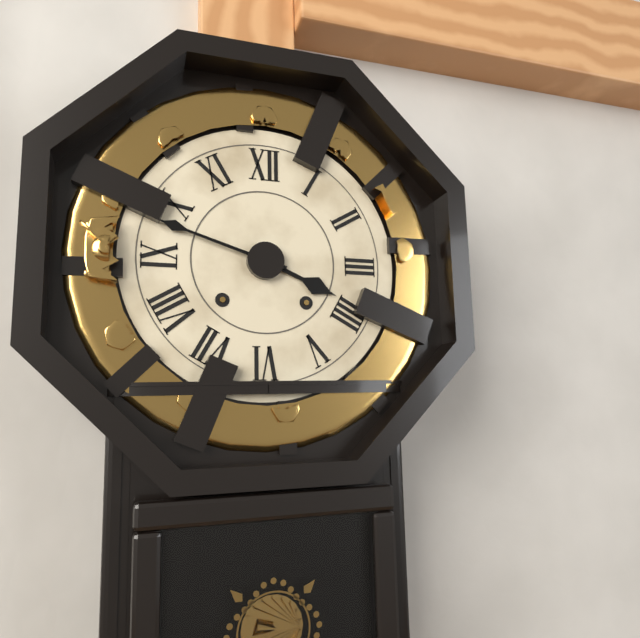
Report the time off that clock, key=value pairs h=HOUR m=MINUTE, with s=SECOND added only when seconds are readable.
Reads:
h=3 m=48
